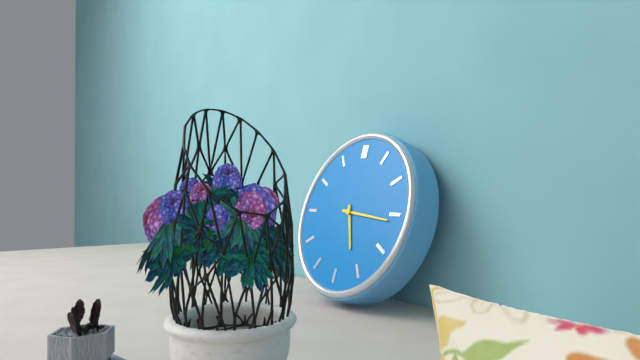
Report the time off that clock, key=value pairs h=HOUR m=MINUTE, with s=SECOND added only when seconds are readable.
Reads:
h=5 m=16
